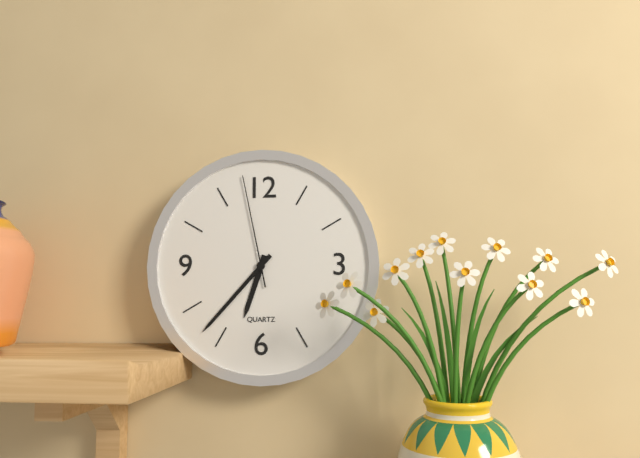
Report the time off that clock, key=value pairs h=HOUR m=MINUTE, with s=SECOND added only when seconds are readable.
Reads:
h=6 m=37 s=58
